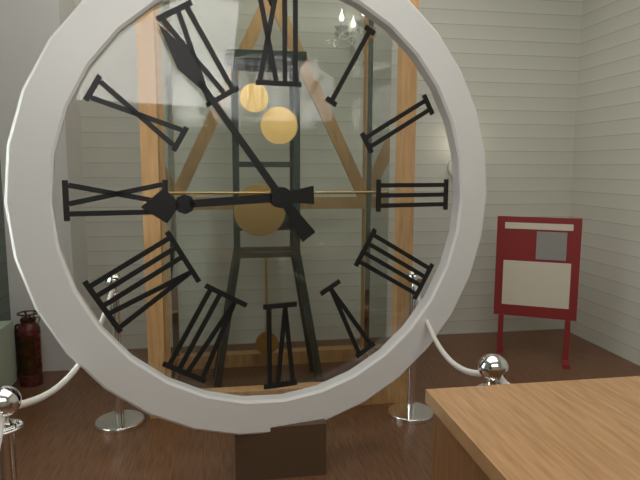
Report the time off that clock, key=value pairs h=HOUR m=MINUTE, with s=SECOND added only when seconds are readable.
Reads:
h=8 m=54
